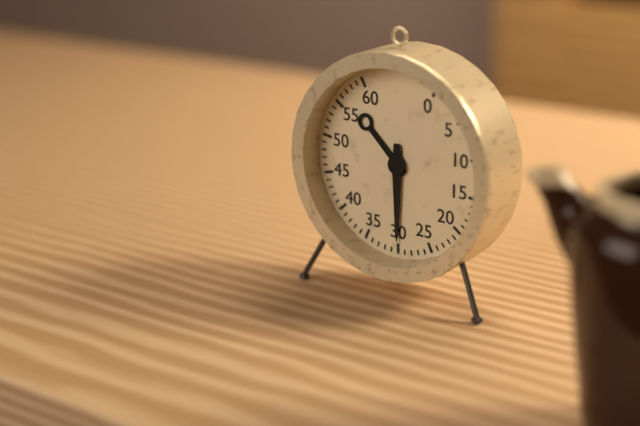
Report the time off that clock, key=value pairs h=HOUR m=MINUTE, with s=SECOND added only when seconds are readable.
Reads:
h=10 m=30
